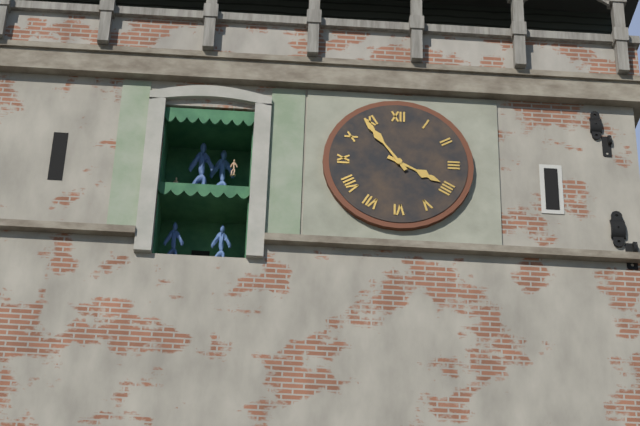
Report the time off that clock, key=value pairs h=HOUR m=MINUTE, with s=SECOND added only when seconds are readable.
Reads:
h=3 m=54
